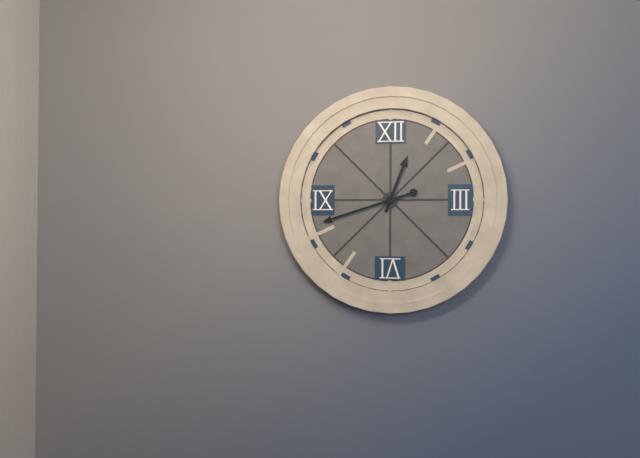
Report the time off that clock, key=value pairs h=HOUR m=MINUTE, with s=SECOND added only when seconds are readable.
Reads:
h=12 m=42
